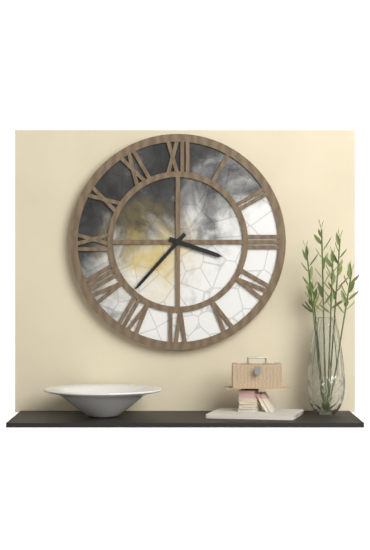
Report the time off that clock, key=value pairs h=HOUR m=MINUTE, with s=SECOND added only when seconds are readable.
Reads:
h=3 m=37
